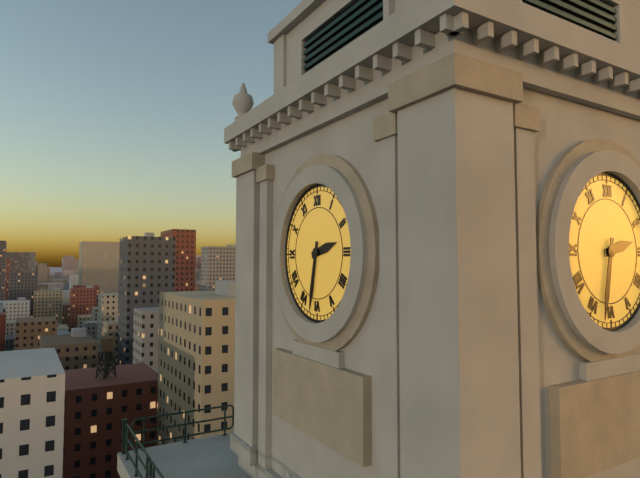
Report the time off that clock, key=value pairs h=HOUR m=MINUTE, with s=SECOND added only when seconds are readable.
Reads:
h=2 m=32
